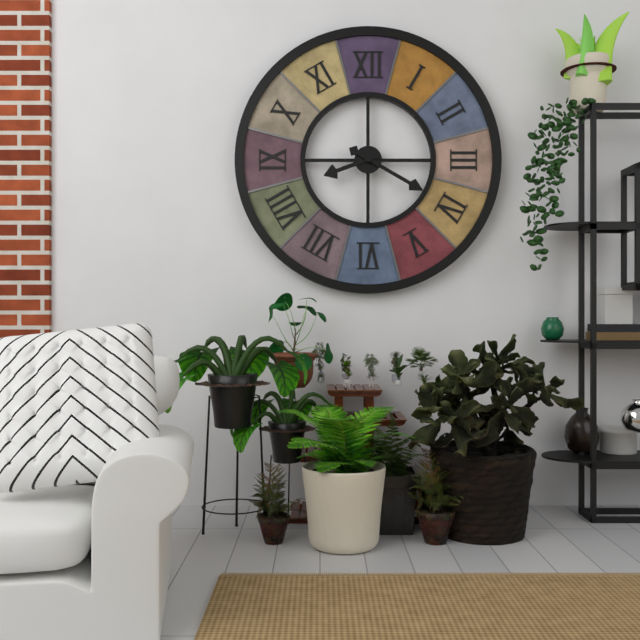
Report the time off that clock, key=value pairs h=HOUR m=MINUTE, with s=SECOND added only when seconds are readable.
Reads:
h=8 m=20
